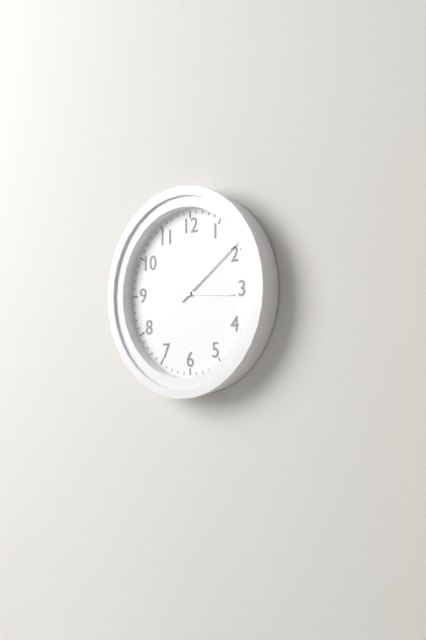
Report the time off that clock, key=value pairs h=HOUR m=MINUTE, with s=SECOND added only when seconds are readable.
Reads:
h=3 m=9
